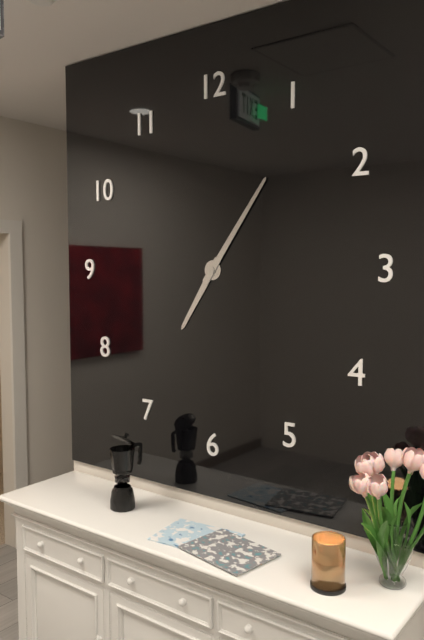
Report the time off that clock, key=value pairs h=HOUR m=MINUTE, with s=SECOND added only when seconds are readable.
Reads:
h=7 m=6
